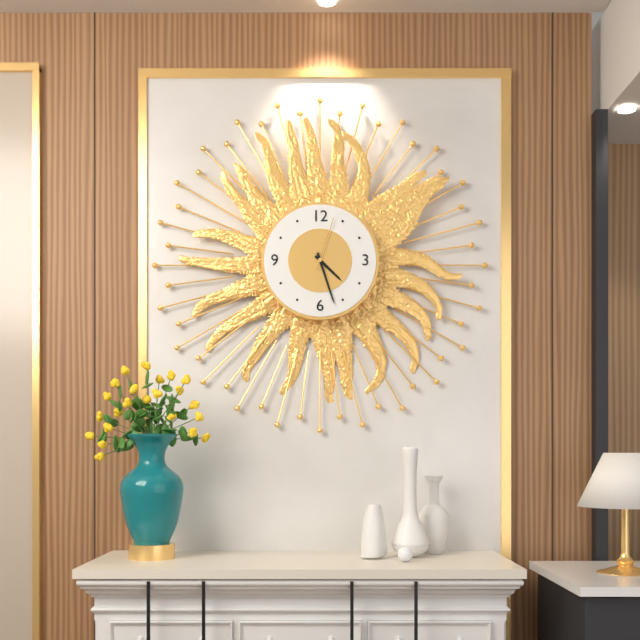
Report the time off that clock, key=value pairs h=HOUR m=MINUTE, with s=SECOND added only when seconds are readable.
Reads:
h=4 m=27 s=3
